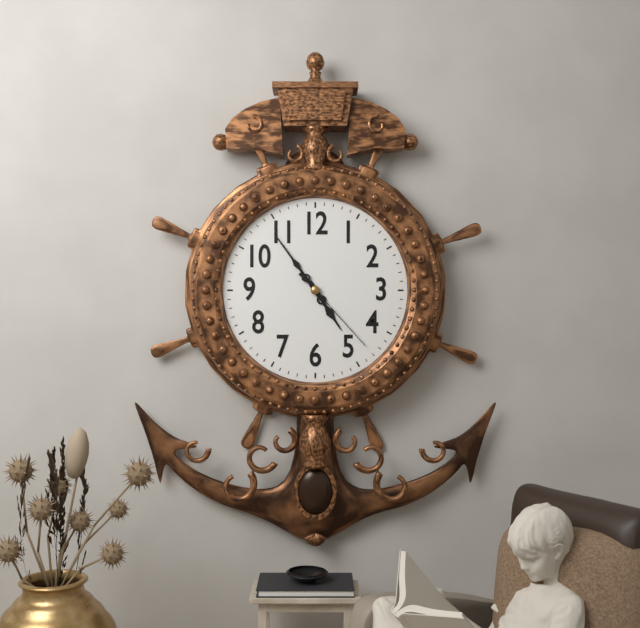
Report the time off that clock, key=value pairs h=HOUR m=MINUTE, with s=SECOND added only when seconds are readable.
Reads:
h=4 m=54 s=23
